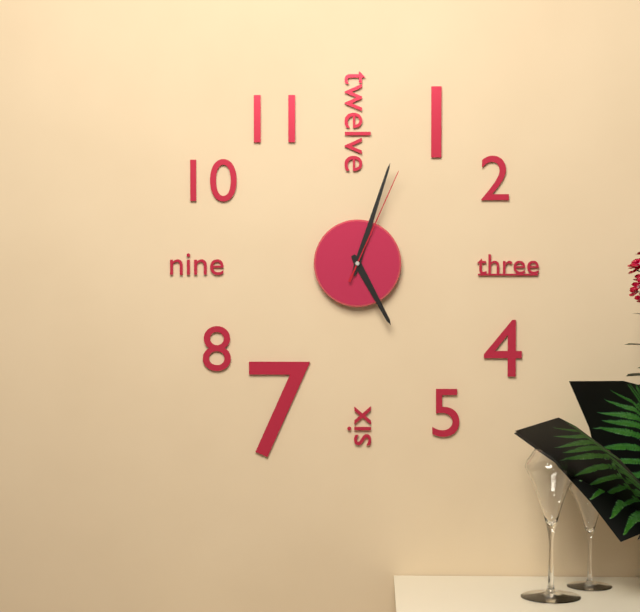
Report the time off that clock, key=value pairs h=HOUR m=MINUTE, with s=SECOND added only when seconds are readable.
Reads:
h=5 m=3 s=4
